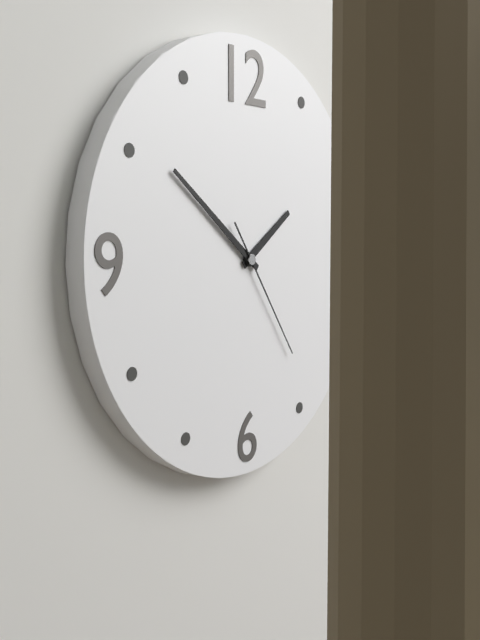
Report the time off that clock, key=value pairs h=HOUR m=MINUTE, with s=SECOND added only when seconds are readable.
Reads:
h=1 m=51 s=24
